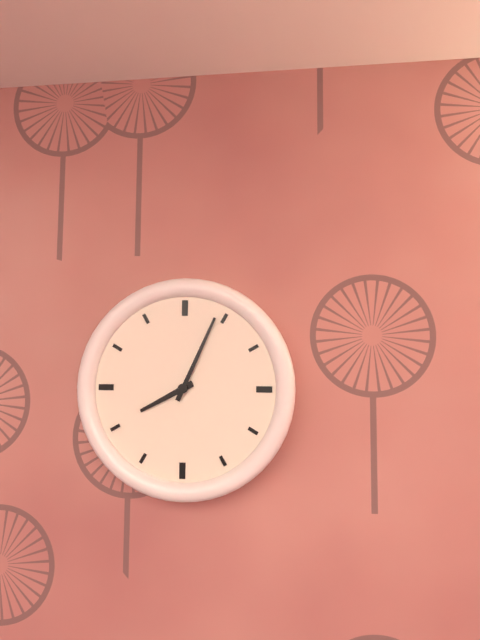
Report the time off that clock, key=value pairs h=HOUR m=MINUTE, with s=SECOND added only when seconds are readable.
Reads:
h=8 m=4
